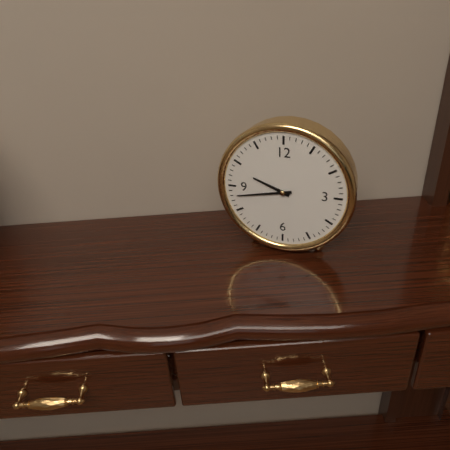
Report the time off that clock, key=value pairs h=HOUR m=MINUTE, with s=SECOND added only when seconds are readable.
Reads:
h=9 m=43
